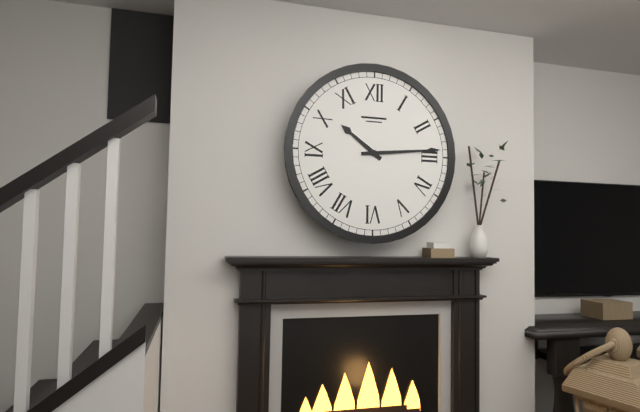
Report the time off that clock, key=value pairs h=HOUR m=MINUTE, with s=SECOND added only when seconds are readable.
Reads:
h=10 m=14
